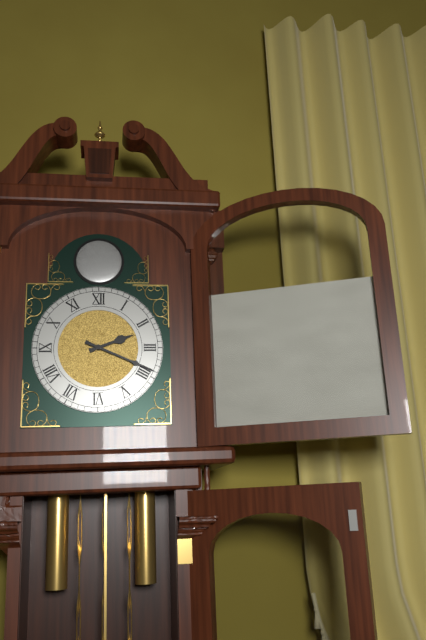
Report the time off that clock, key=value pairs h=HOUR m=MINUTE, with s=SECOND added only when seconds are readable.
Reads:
h=2 m=19
